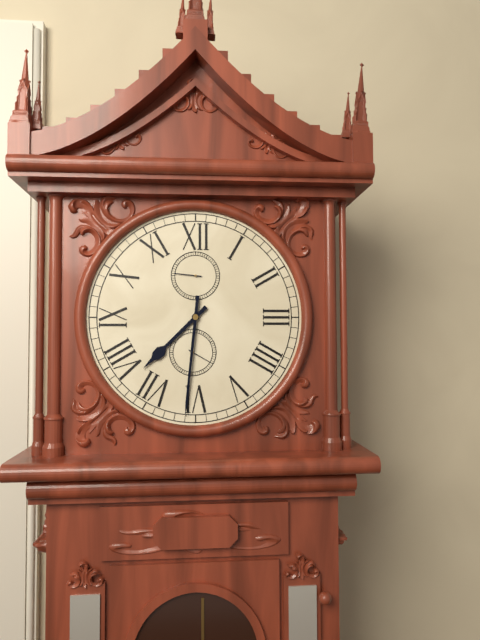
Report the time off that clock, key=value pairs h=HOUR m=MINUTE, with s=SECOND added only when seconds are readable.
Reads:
h=7 m=31
